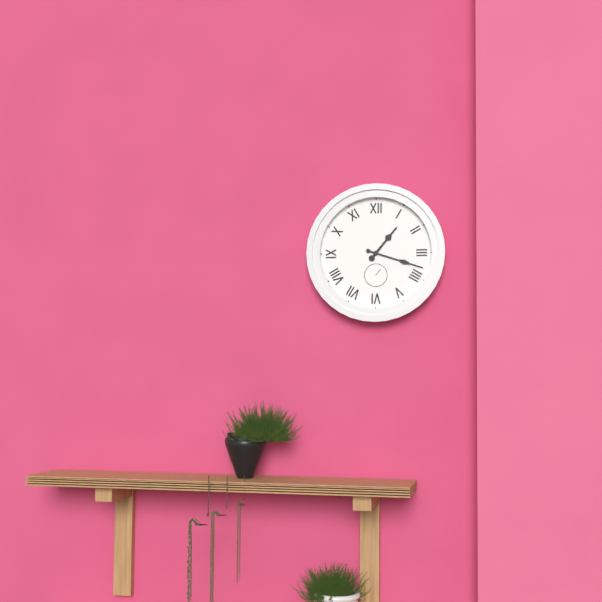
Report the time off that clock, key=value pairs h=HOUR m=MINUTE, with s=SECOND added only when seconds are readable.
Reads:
h=1 m=18
